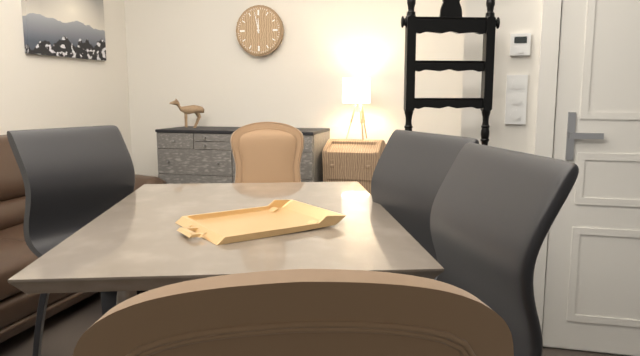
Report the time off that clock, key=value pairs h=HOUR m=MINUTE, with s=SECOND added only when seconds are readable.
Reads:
h=11 m=58
